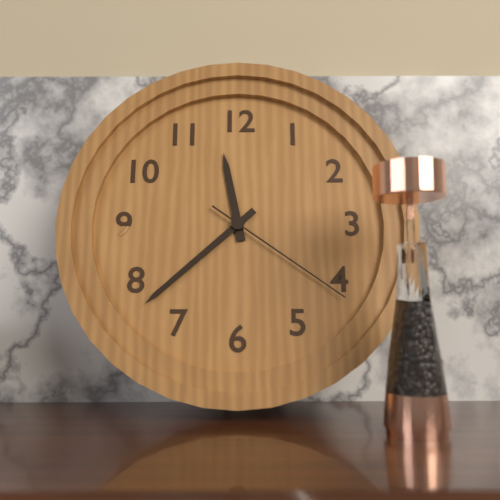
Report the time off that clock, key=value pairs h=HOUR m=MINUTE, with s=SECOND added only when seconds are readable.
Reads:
h=11 m=38 s=21
